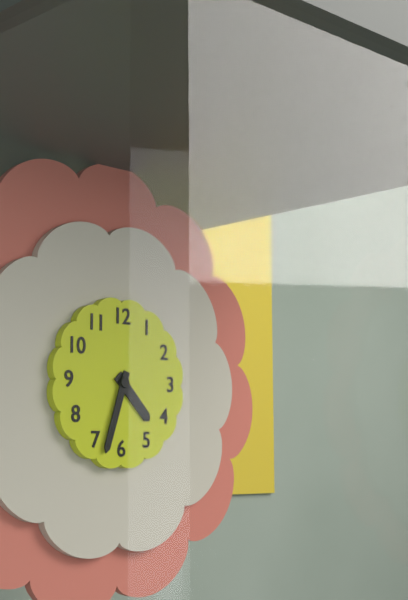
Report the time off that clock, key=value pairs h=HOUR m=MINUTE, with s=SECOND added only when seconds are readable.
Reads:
h=4 m=33
